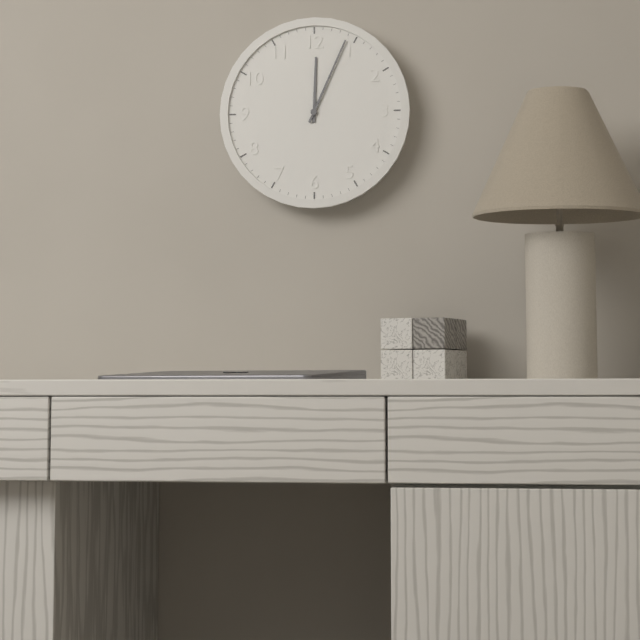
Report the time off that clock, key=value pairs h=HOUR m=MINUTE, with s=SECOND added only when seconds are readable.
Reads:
h=12 m=4
